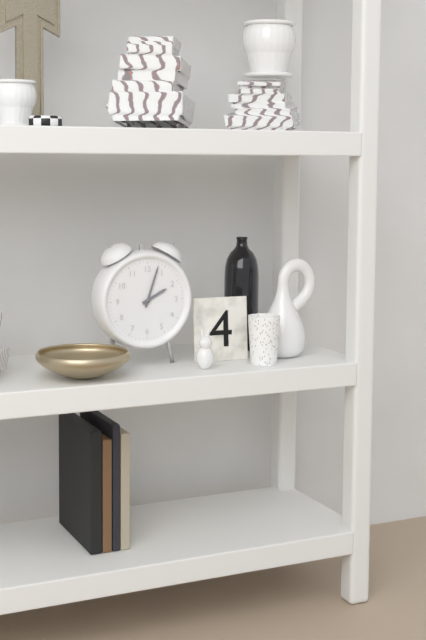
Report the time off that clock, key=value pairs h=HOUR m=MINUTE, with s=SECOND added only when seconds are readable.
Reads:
h=2 m=3
